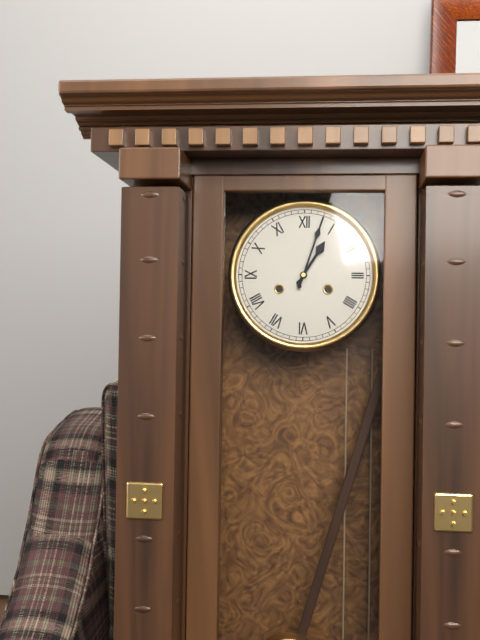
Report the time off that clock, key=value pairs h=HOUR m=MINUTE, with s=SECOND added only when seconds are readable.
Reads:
h=1 m=3
